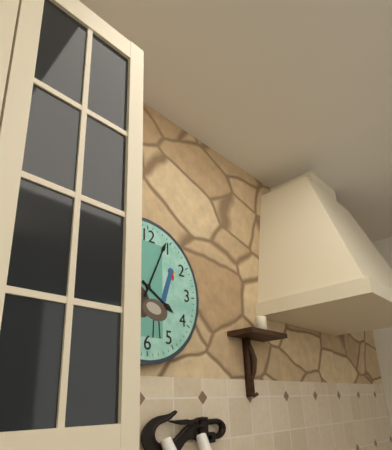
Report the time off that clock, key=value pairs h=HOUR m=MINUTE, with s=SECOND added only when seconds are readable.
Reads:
h=4 m=4
